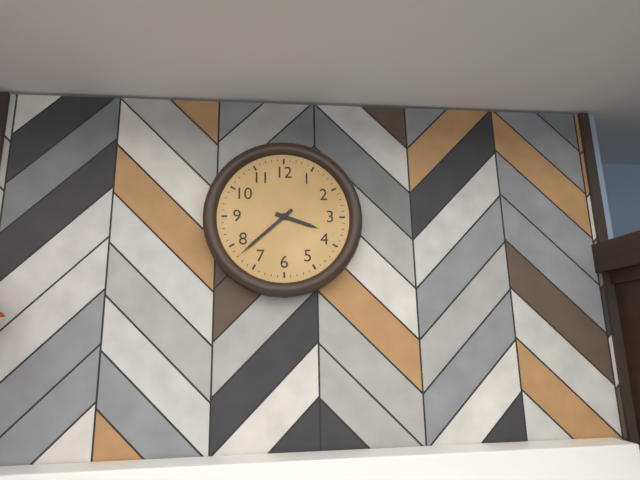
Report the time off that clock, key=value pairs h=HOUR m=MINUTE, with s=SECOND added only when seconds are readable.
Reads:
h=3 m=38
